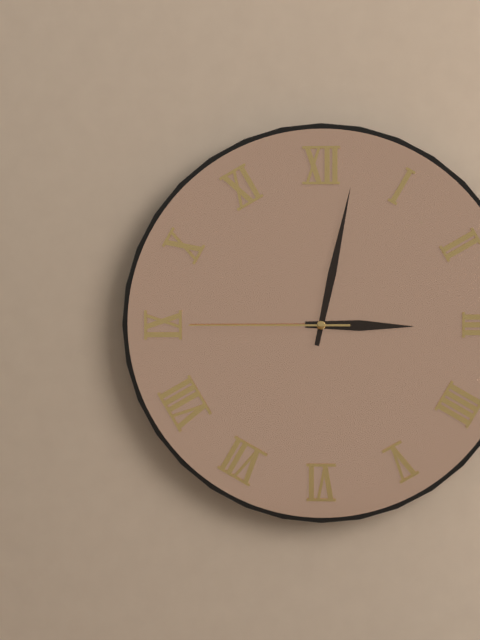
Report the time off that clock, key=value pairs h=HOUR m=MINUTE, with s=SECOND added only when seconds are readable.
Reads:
h=3 m=2 s=45
